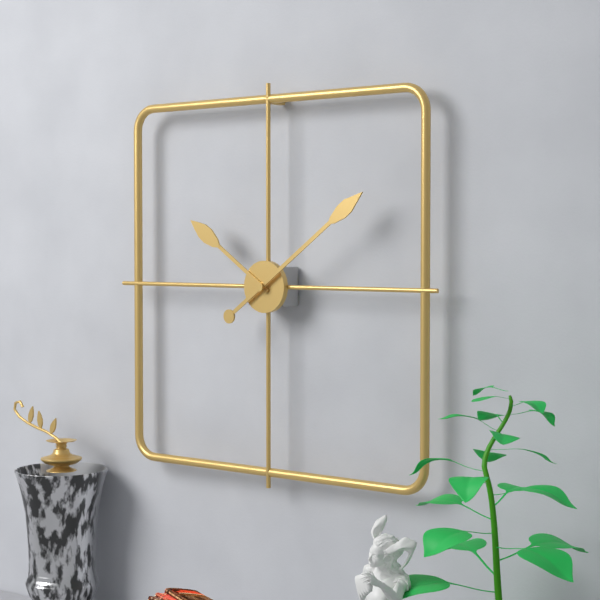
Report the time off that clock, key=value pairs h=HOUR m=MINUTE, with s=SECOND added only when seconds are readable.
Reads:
h=10 m=9
